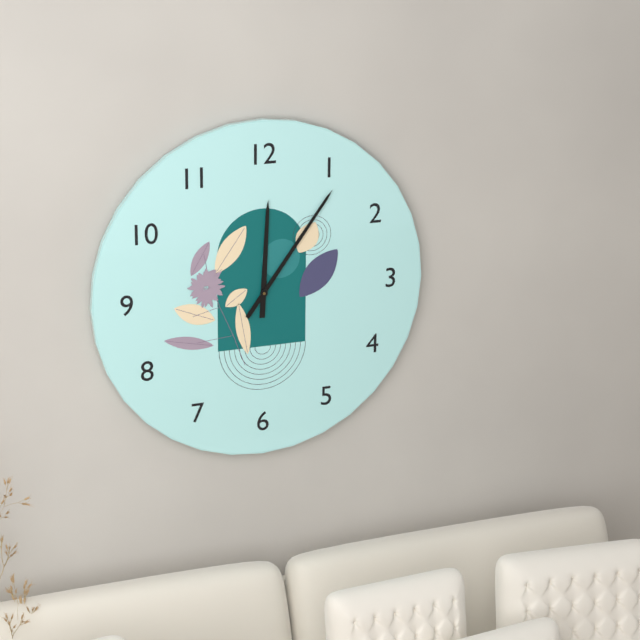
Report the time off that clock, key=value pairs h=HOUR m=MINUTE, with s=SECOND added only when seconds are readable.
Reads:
h=12 m=6
